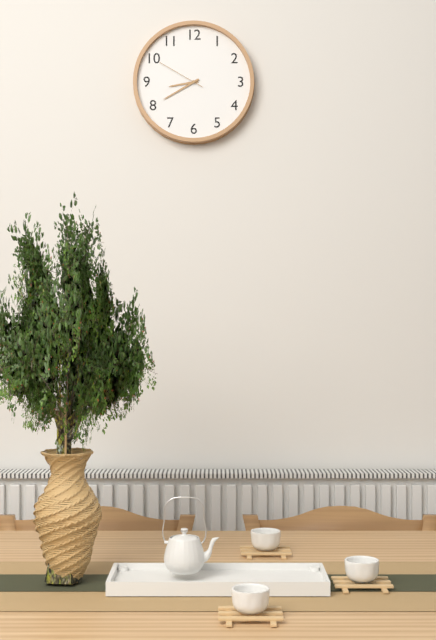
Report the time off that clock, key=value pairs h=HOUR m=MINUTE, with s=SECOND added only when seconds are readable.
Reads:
h=8 m=40 s=50
